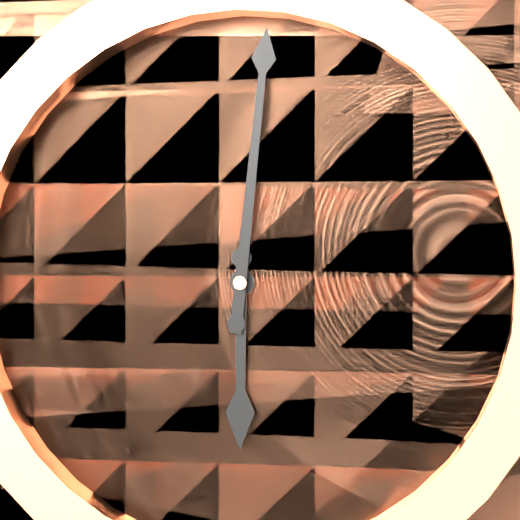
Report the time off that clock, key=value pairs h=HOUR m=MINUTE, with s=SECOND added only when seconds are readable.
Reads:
h=6 m=1
